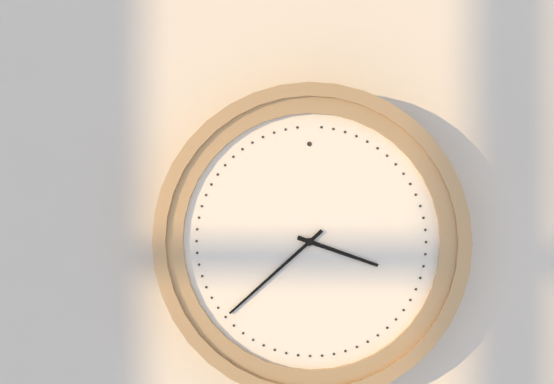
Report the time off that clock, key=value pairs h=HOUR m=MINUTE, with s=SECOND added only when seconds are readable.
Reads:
h=3 m=38
